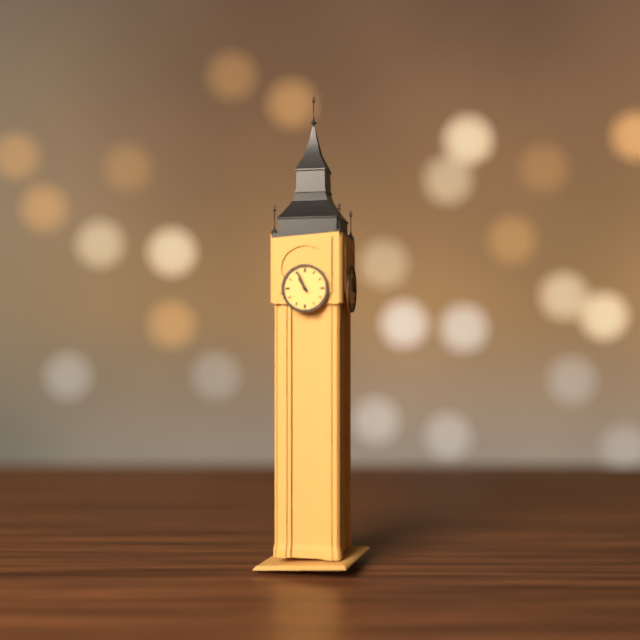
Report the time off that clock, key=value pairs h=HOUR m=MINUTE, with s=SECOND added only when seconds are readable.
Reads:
h=10 m=56
